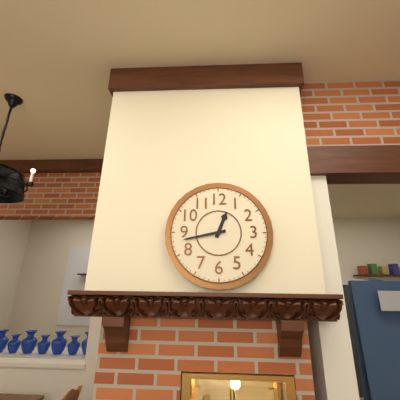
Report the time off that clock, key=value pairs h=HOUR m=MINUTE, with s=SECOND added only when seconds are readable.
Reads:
h=12 m=43
